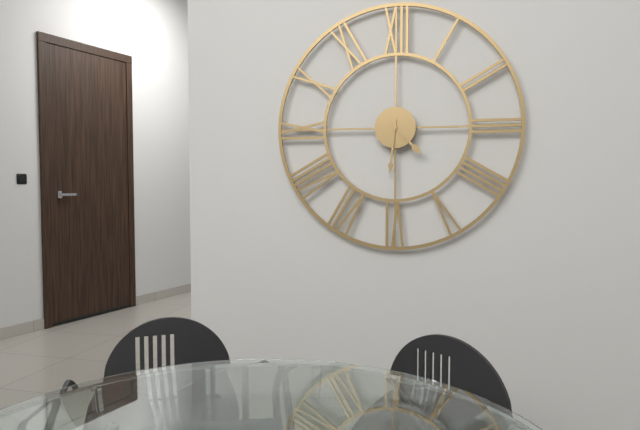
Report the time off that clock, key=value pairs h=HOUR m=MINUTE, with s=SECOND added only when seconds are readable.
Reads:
h=4 m=31
